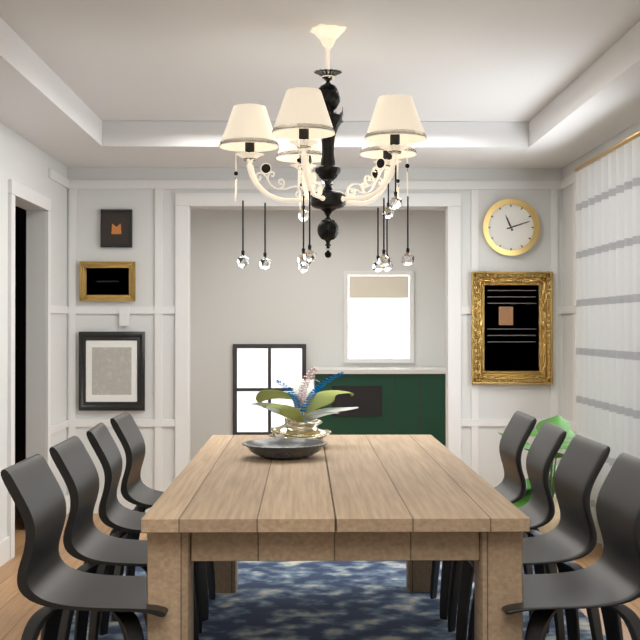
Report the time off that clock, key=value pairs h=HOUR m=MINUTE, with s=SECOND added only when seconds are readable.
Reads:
h=11 m=12
